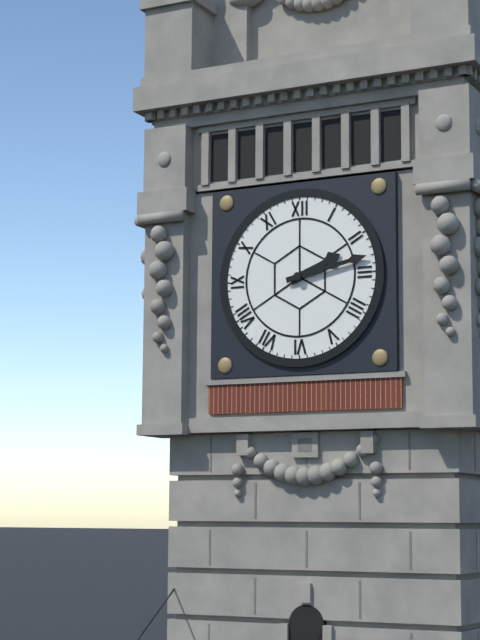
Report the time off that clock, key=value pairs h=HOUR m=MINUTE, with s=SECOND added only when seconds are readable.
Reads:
h=2 m=13
